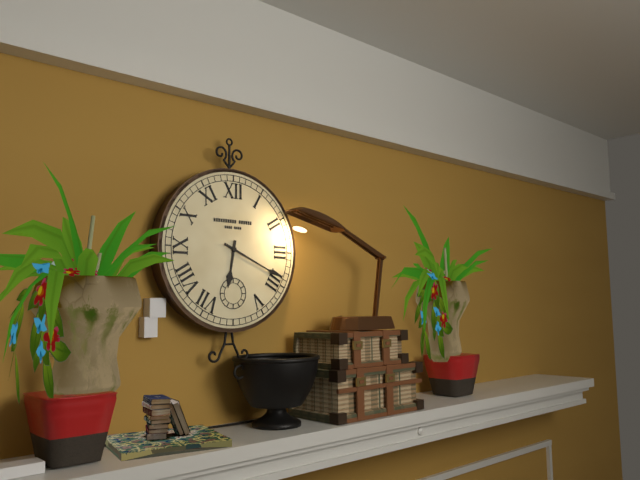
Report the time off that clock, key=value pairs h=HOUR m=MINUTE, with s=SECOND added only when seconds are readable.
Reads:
h=6 m=19
